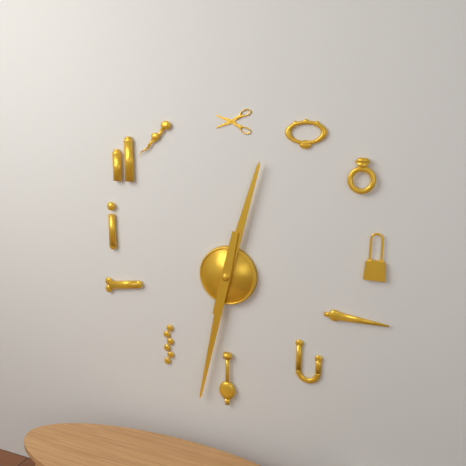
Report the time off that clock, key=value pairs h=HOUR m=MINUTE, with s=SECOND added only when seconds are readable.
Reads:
h=12 m=32
